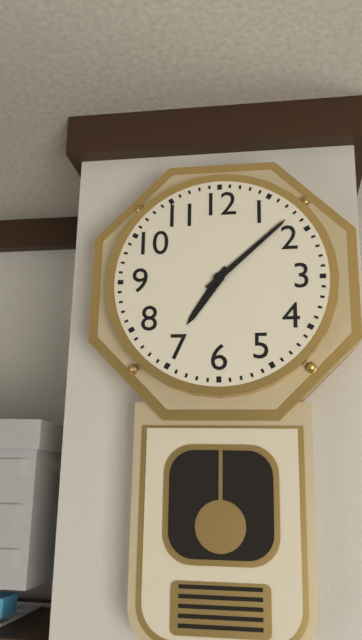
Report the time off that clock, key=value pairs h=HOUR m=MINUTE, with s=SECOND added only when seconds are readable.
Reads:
h=7 m=8
